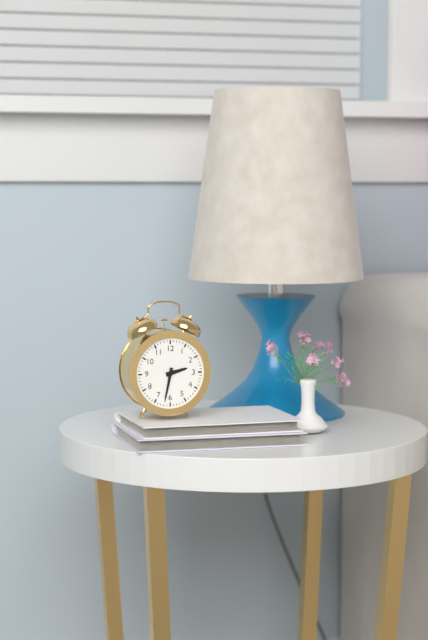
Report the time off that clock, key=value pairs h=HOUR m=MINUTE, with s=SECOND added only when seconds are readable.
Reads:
h=2 m=32
